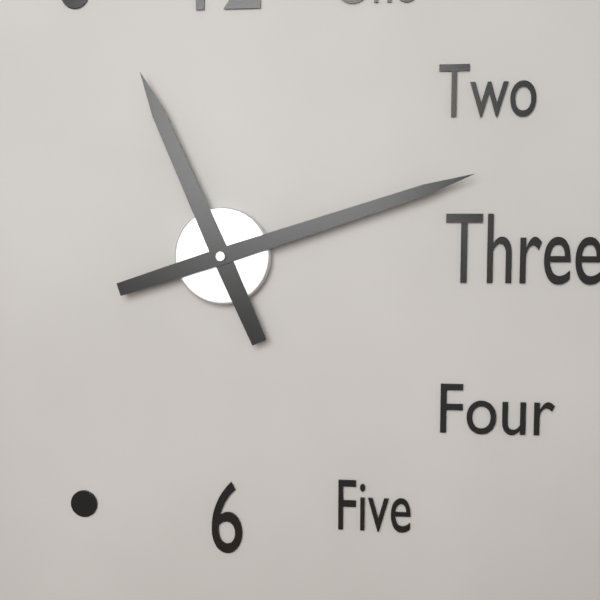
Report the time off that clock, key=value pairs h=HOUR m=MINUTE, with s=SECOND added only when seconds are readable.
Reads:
h=11 m=12
